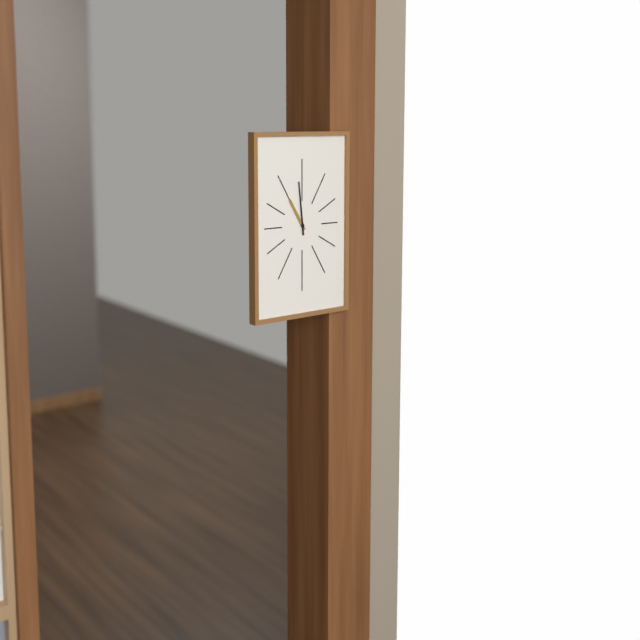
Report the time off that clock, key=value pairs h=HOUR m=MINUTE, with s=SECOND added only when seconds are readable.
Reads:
h=10 m=59
